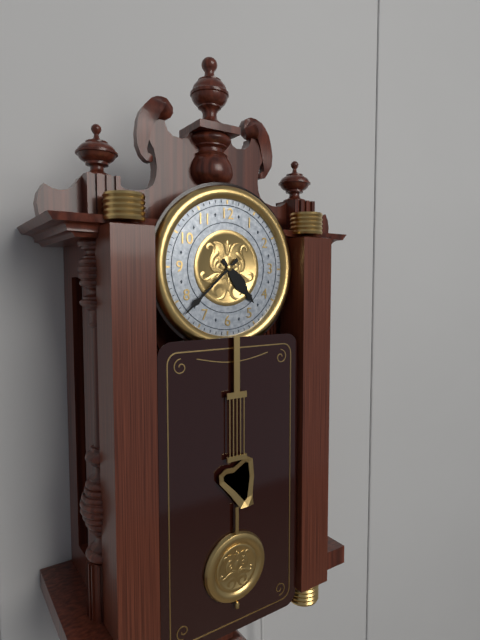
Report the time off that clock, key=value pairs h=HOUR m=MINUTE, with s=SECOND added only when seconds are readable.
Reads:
h=4 m=38
